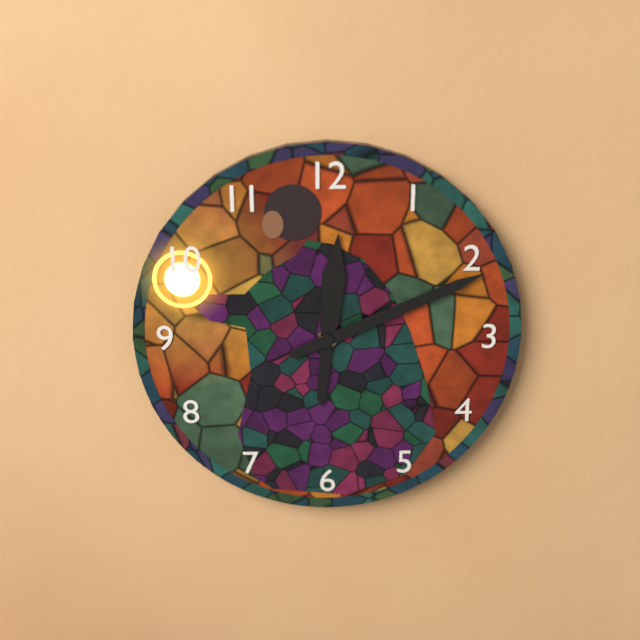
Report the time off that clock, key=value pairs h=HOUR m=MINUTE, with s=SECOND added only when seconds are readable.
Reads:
h=12 m=11
